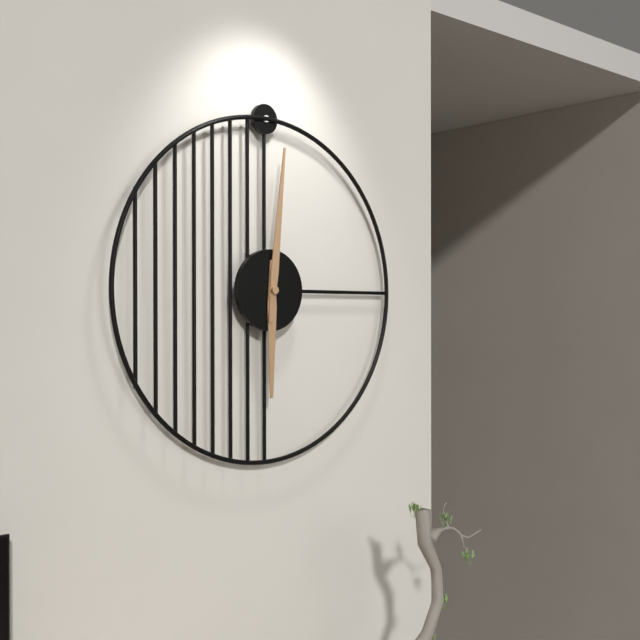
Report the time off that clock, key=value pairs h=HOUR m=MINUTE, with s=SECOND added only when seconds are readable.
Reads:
h=6 m=1
